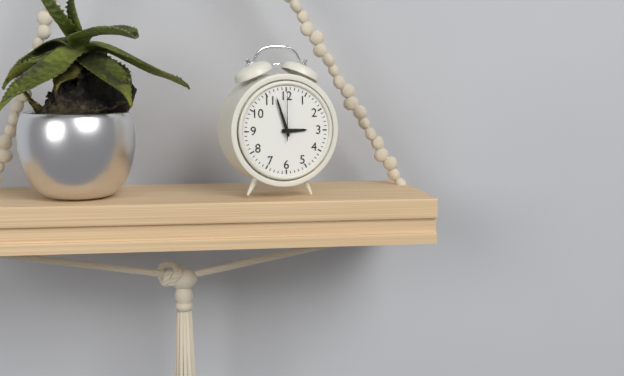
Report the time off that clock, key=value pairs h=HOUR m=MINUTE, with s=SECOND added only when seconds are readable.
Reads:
h=2 m=57
